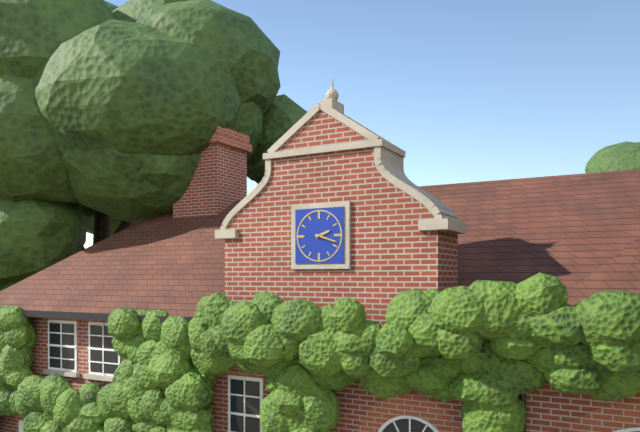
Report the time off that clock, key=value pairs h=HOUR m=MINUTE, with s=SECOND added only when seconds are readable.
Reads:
h=2 m=18
